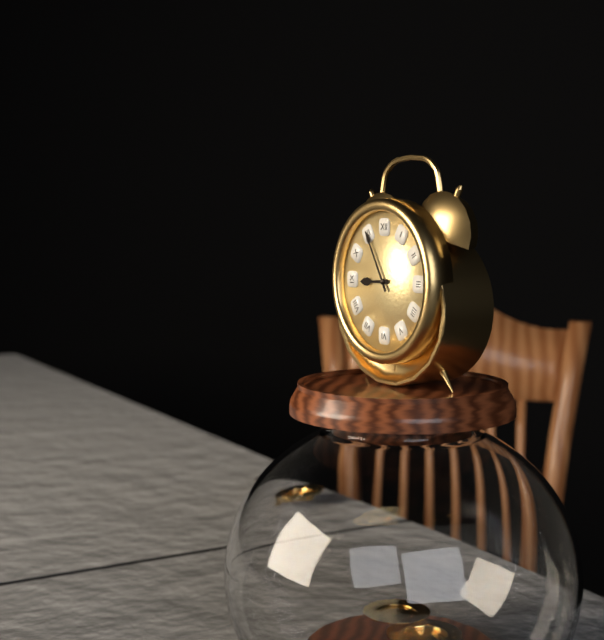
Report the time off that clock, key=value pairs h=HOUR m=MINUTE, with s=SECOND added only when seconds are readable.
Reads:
h=8 m=55
